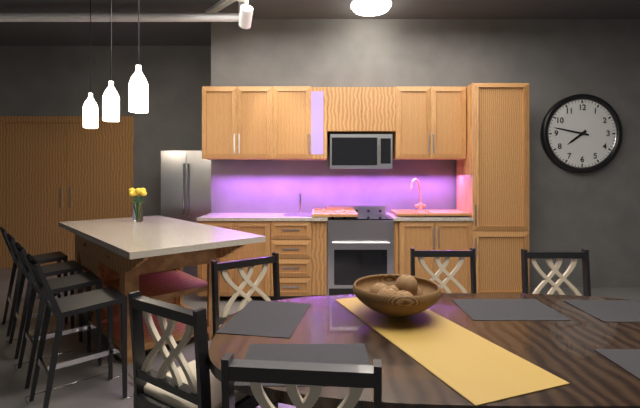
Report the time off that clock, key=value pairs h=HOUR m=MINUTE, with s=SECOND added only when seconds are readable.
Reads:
h=7 m=47
